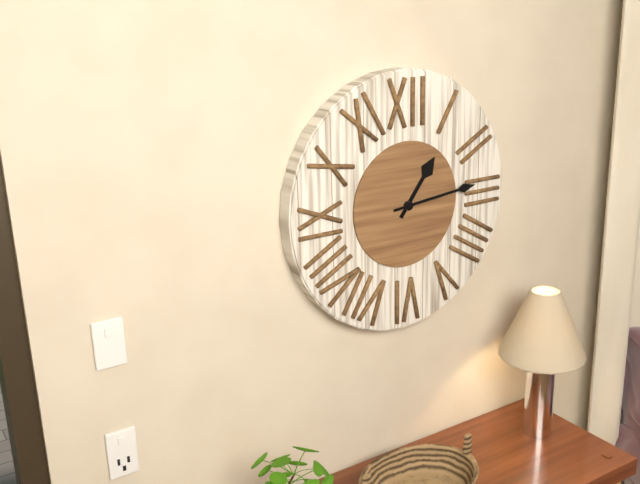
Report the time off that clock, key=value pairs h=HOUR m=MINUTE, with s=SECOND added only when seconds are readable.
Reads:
h=1 m=14
